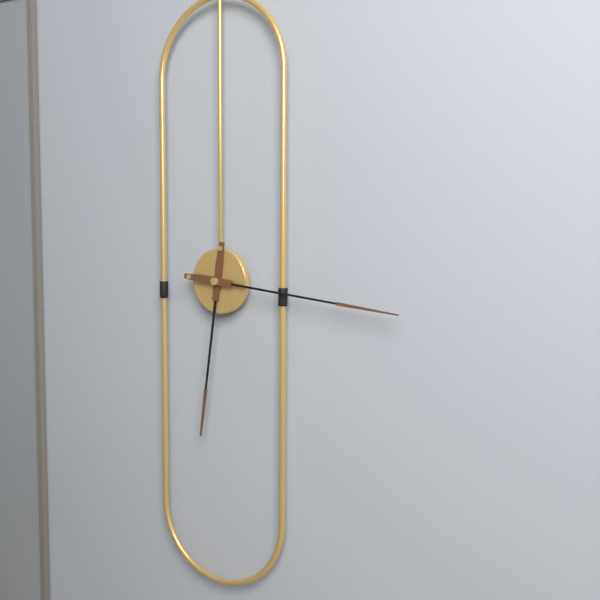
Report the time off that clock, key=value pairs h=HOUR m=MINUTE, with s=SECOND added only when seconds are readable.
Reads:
h=6 m=16
